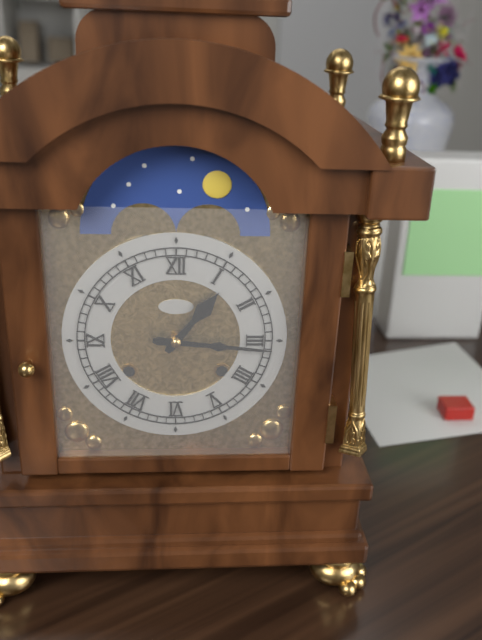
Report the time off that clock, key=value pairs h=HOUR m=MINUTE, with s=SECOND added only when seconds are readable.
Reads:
h=1 m=16
